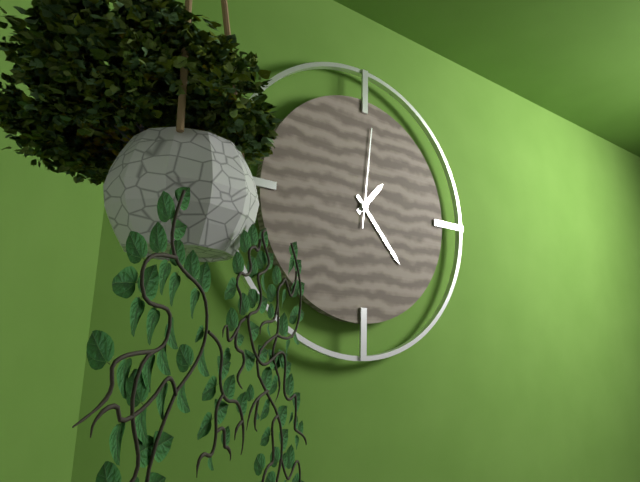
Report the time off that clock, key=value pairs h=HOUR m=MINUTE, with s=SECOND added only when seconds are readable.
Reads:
h=1 m=23 s=1
